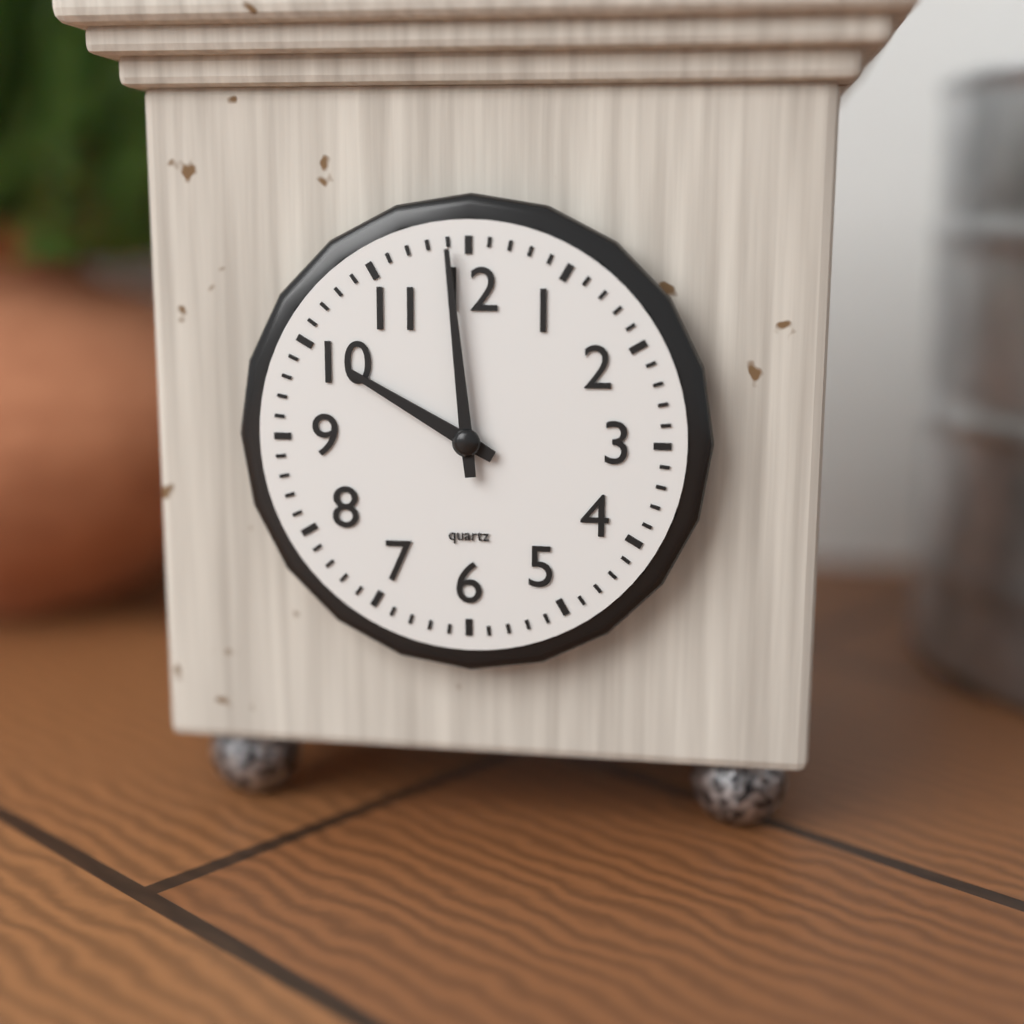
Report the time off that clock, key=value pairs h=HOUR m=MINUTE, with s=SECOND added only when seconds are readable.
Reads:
h=9 m=59
